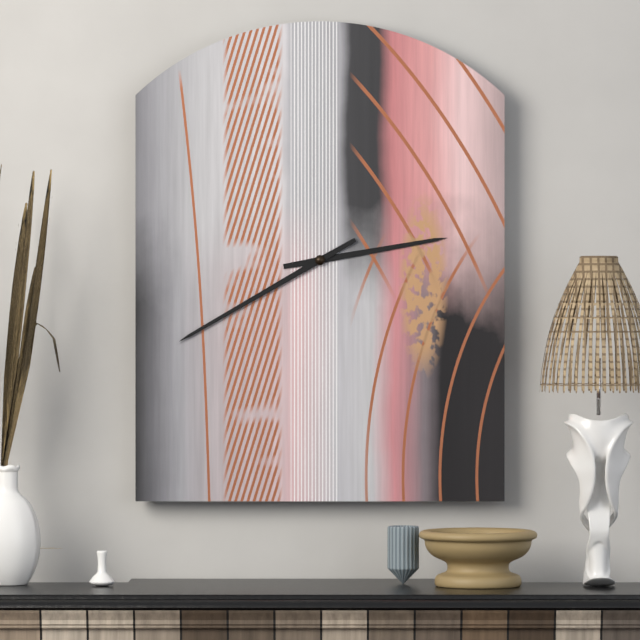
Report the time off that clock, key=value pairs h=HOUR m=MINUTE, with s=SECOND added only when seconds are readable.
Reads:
h=2 m=40
